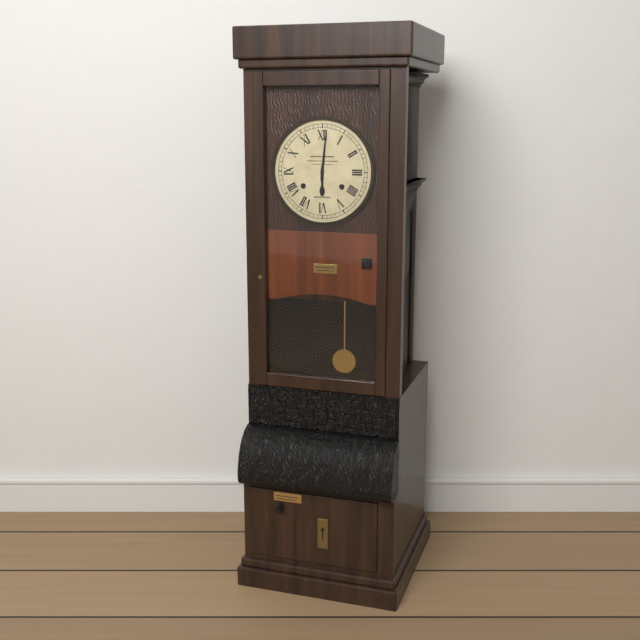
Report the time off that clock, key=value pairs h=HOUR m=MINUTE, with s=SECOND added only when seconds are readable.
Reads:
h=6 m=1
